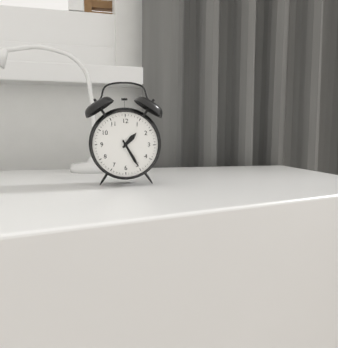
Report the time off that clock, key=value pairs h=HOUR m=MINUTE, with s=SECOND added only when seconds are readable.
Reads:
h=1 m=25
